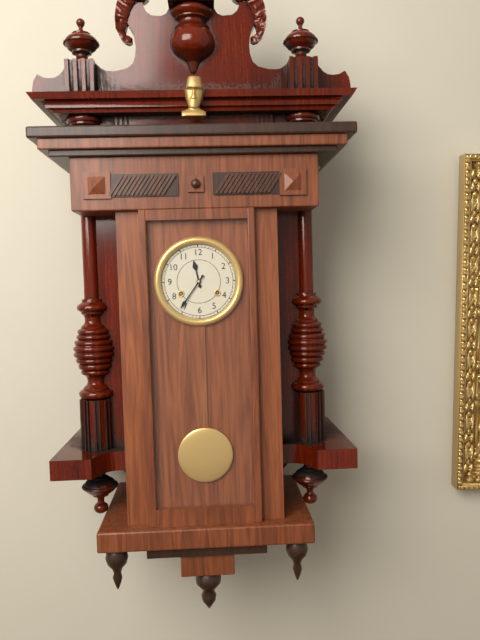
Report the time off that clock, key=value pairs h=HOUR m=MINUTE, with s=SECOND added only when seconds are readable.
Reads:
h=11 m=36
